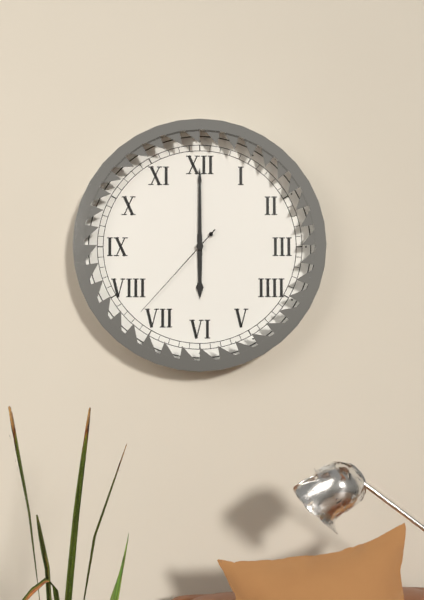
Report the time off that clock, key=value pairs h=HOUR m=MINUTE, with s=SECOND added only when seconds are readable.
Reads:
h=6 m=0 s=37
